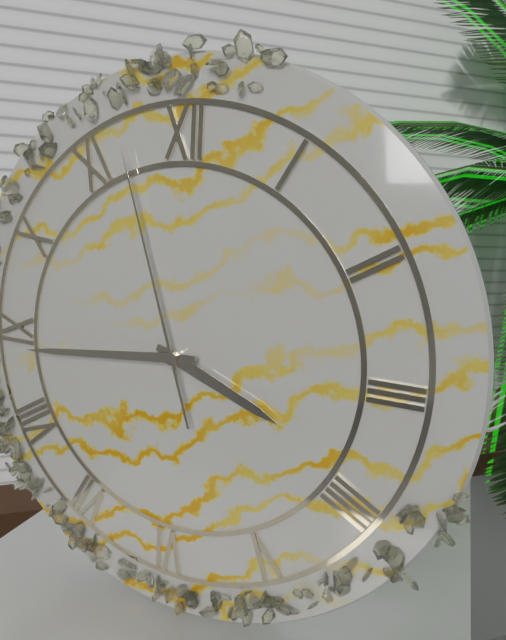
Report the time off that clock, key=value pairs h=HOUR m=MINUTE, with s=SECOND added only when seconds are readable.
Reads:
h=3 m=44 s=57
